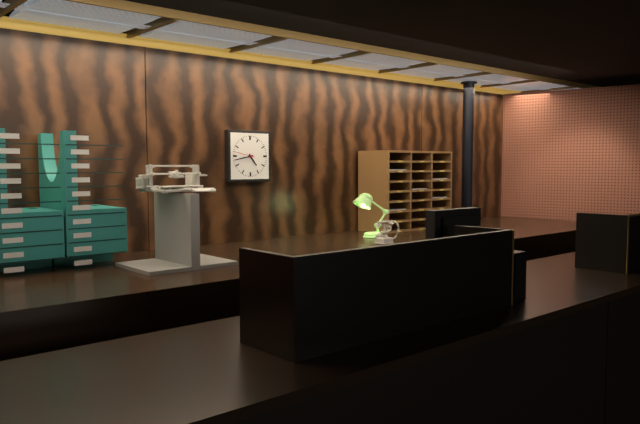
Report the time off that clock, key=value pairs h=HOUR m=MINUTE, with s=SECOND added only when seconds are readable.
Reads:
h=4 m=43
